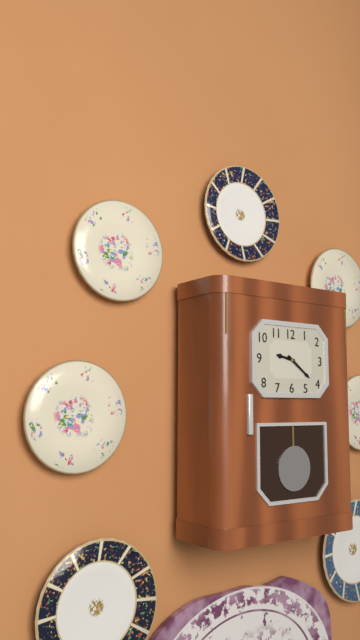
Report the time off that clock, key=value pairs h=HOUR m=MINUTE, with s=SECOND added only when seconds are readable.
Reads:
h=9 m=21
